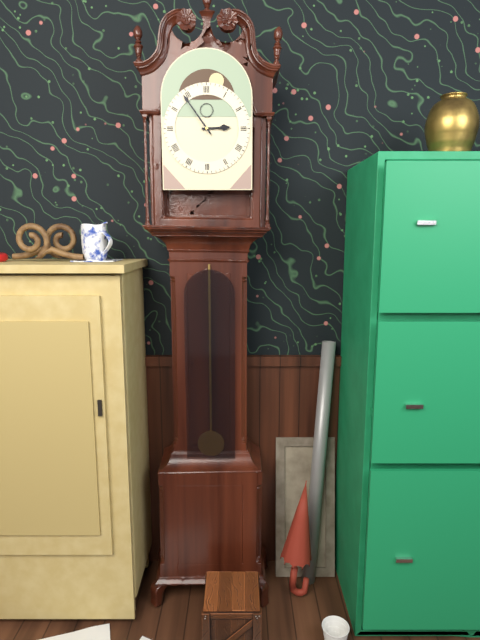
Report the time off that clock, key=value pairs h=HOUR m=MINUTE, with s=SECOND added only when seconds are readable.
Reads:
h=2 m=54
